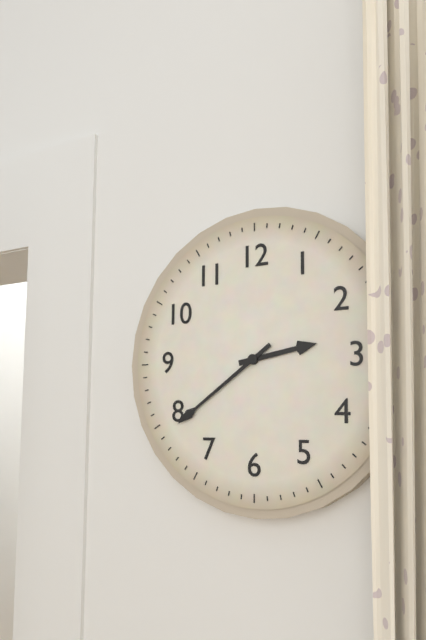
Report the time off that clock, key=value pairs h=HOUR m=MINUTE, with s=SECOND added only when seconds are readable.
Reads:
h=2 m=39
